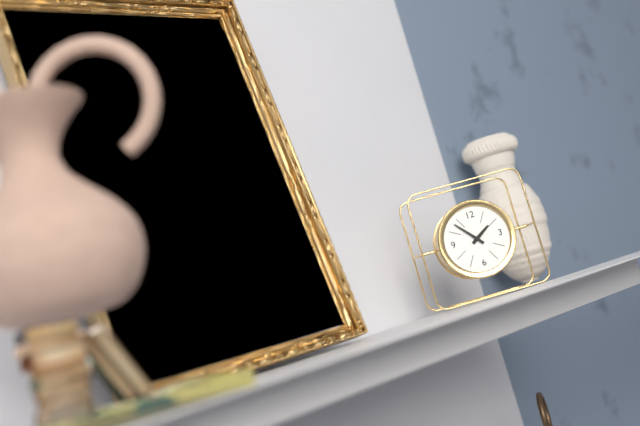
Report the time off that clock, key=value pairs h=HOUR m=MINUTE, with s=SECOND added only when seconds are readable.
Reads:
h=1 m=53
